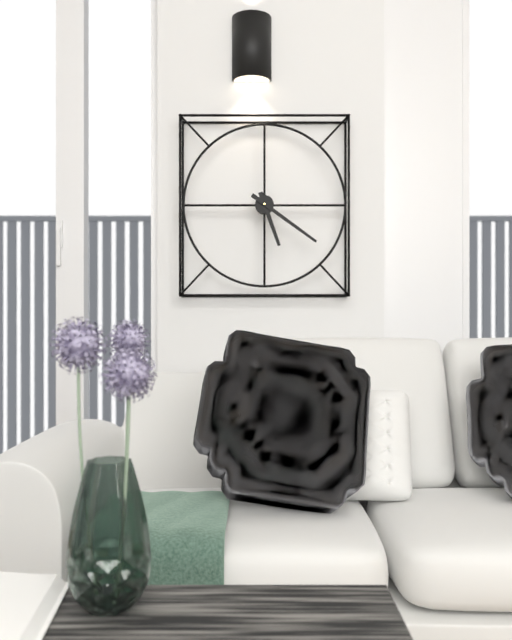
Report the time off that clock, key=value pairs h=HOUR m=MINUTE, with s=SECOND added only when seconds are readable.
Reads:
h=5 m=21
